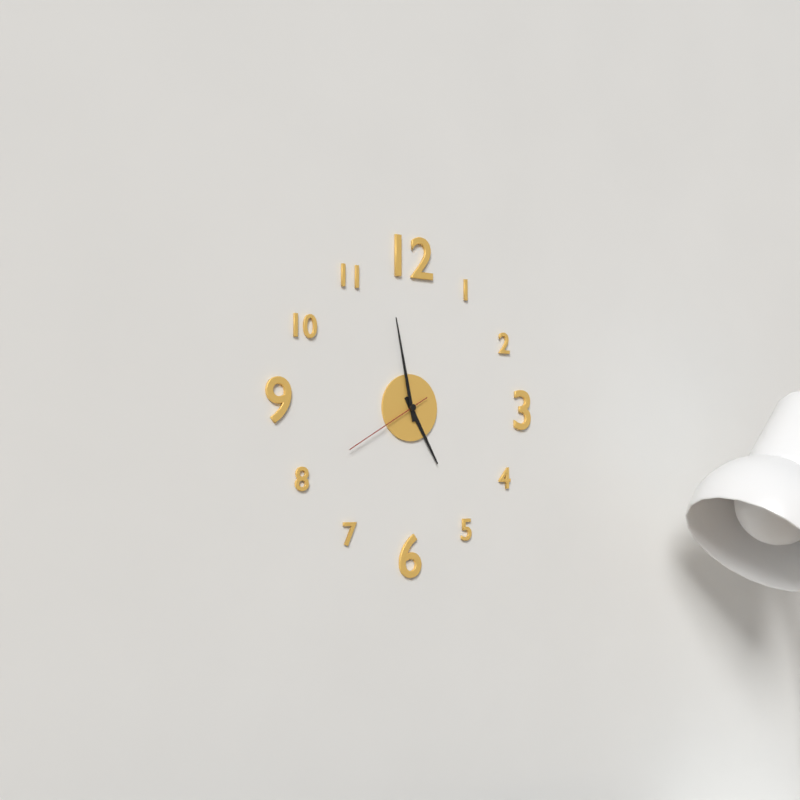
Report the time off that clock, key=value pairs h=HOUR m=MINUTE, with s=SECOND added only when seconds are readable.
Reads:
h=4 m=58 s=40
